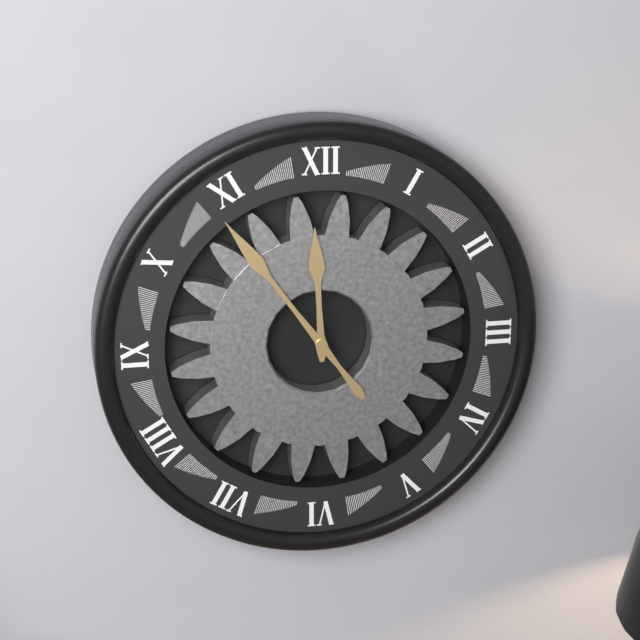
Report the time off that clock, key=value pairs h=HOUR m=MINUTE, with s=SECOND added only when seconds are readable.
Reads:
h=11 m=54
